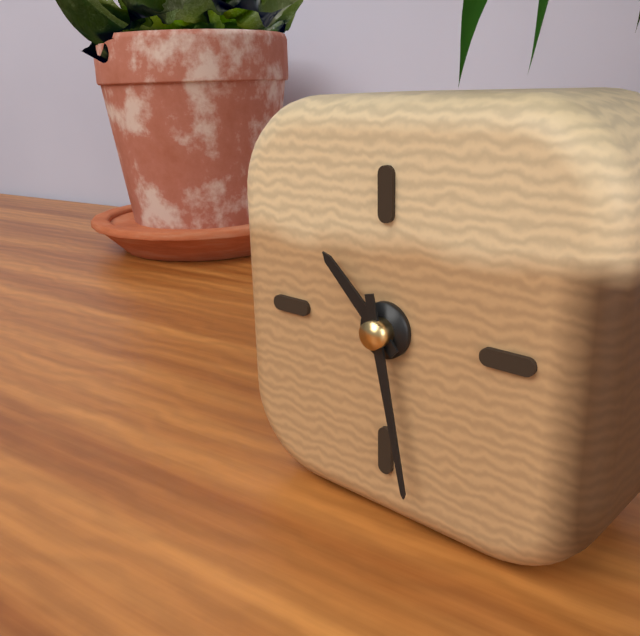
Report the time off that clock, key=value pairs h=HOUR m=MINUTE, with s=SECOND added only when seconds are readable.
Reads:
h=10 m=28
